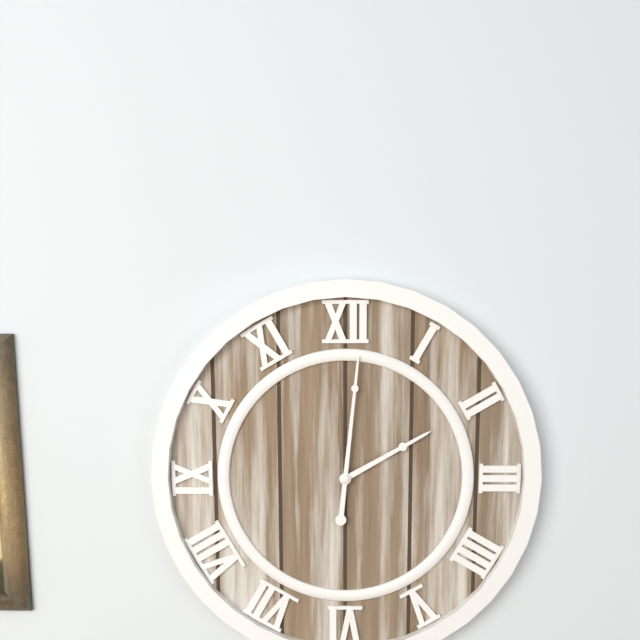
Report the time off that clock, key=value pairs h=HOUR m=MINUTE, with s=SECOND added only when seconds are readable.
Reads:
h=2 m=1
